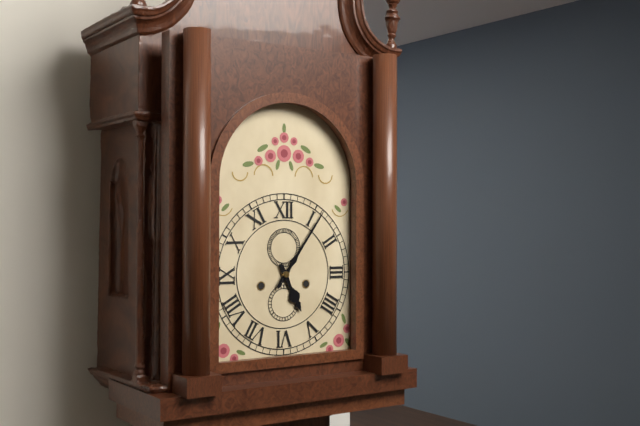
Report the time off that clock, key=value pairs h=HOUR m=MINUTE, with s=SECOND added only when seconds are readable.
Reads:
h=5 m=6
